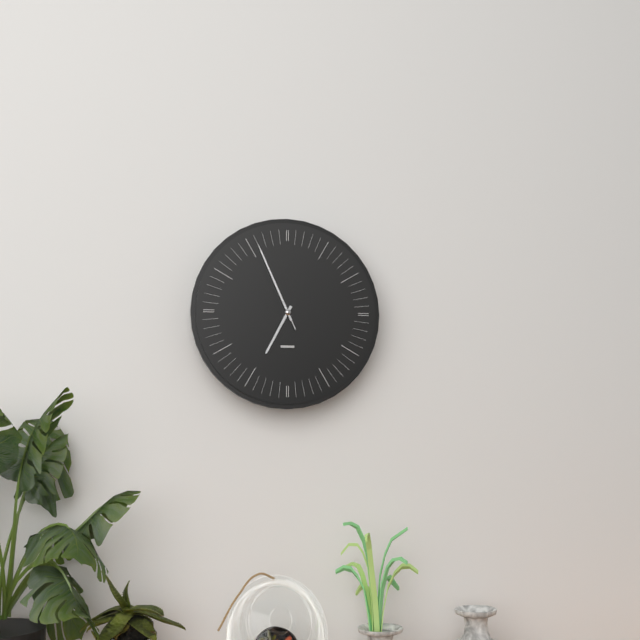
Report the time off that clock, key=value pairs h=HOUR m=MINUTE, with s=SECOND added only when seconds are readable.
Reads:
h=6 m=56 s=56
